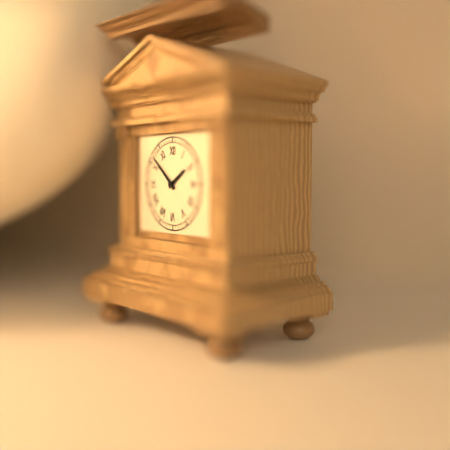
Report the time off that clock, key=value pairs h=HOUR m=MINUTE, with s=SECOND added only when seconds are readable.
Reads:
h=1 m=52
